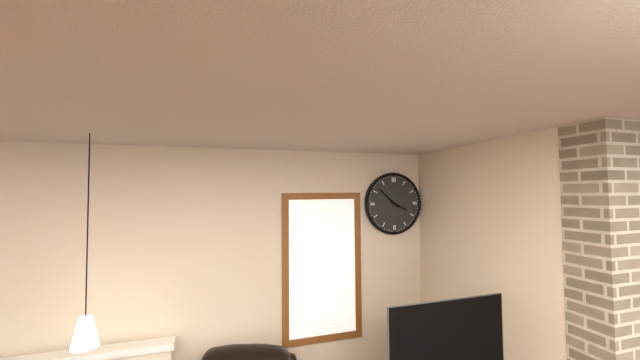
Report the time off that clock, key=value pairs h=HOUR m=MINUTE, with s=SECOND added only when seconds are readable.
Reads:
h=3 m=52
